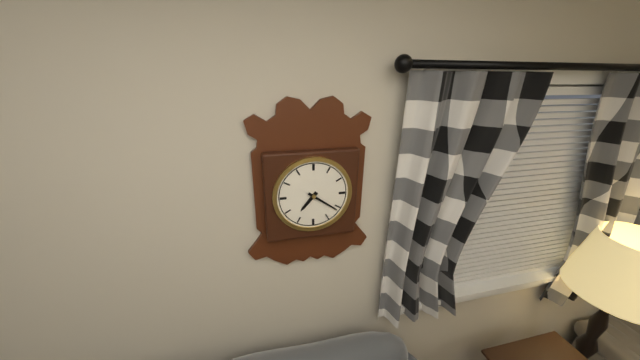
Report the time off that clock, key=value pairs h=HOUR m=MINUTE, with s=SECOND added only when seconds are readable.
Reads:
h=7 m=21
